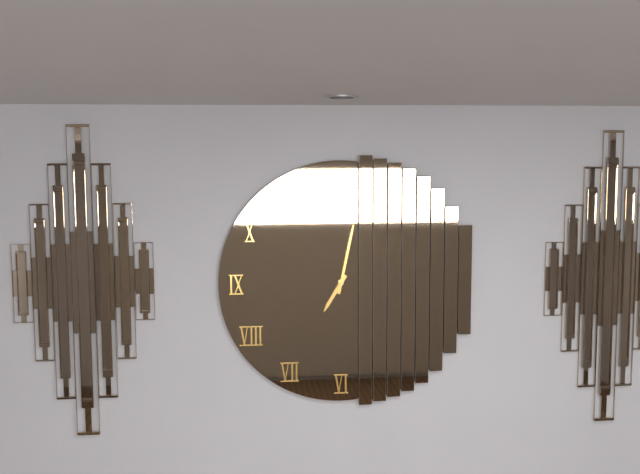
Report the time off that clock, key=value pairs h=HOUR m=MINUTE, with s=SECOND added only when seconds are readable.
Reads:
h=7 m=2
